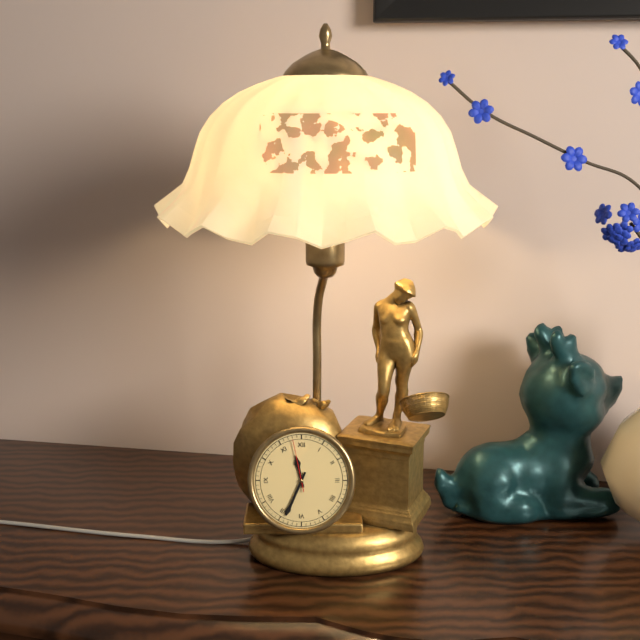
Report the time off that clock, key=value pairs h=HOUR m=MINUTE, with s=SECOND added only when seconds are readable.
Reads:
h=11 m=34 s=58
